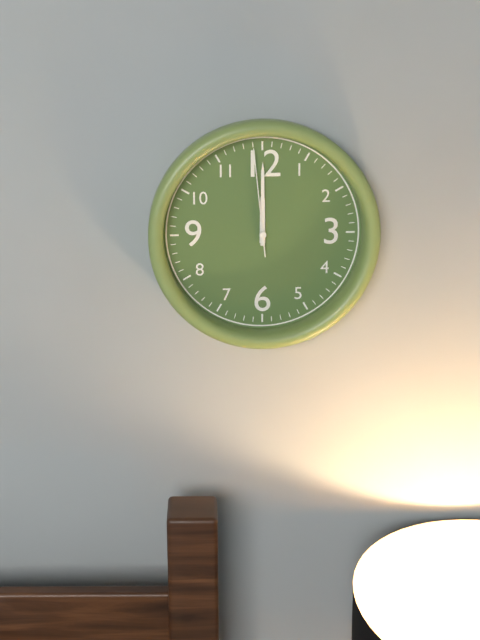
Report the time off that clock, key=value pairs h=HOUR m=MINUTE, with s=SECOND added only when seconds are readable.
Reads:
h=12 m=0 s=59
